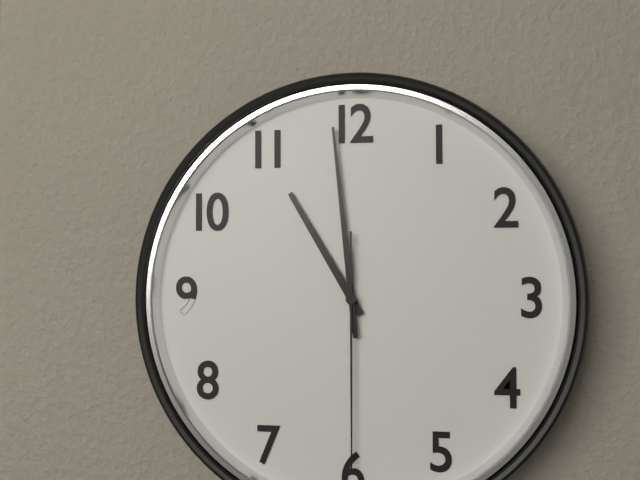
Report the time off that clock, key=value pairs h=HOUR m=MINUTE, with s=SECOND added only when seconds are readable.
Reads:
h=10 m=59 s=30
